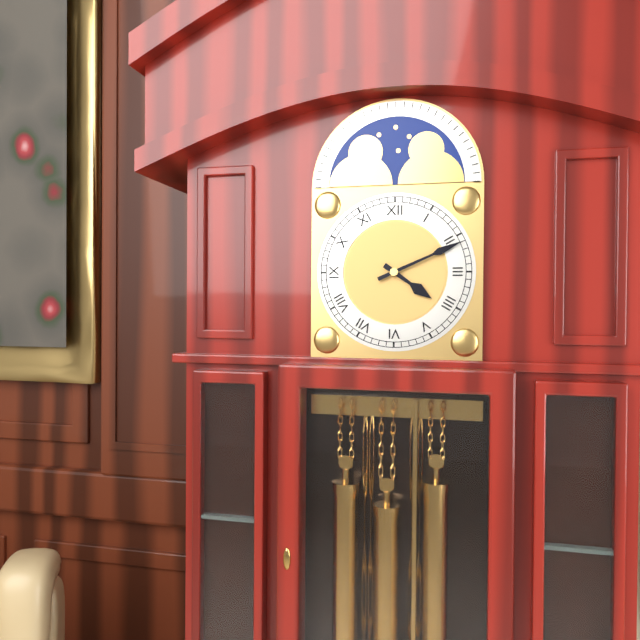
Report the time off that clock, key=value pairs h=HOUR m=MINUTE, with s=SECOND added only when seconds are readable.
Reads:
h=4 m=11
